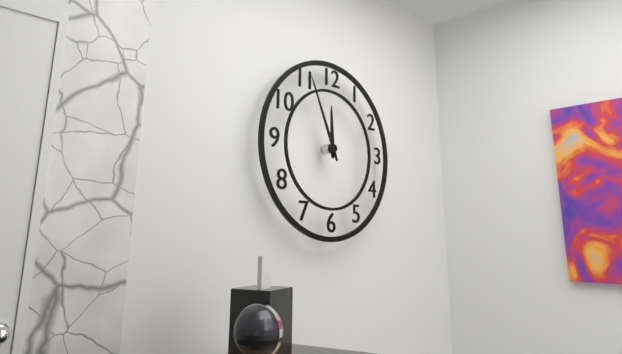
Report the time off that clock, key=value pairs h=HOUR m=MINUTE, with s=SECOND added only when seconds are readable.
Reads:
h=11 m=56
